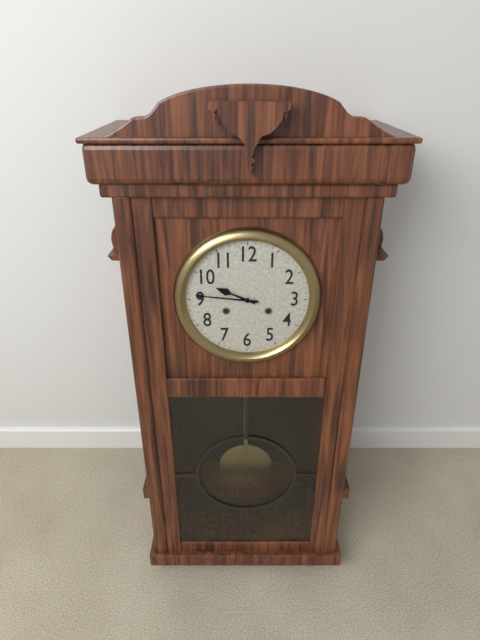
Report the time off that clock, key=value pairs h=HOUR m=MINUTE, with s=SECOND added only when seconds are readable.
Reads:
h=9 m=46
